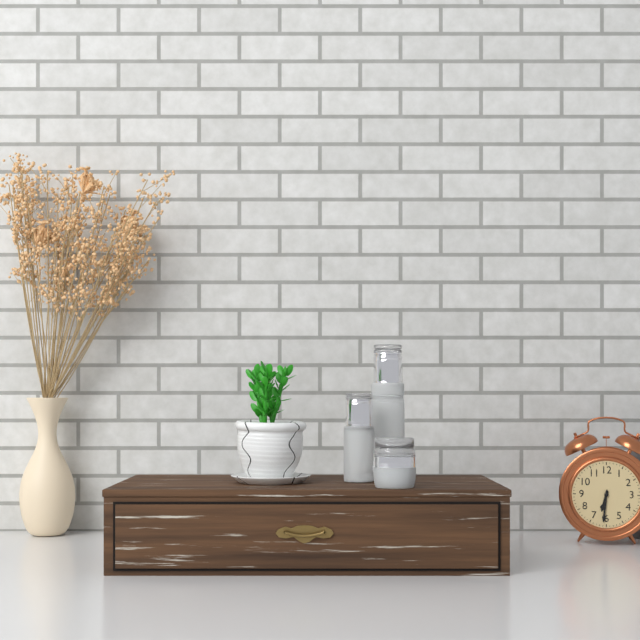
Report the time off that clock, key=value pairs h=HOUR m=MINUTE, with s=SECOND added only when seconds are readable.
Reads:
h=6 m=31
